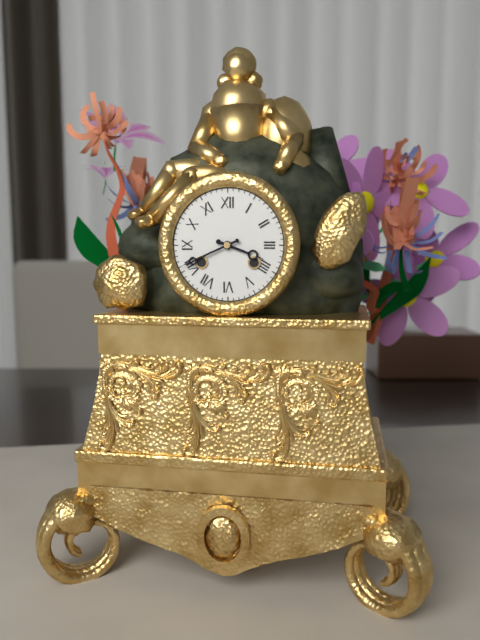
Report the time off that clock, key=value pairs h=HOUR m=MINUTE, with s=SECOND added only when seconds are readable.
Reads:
h=3 m=41
